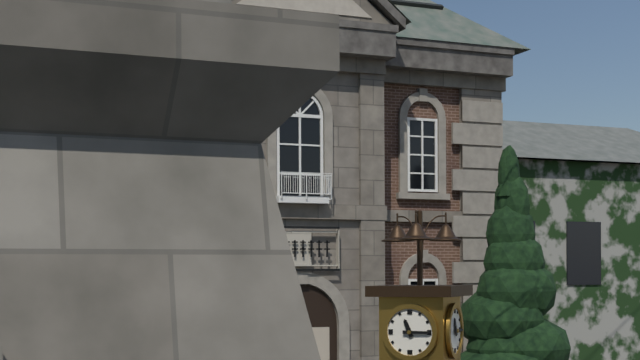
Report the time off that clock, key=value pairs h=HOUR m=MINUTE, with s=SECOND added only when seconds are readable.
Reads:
h=11 m=15
